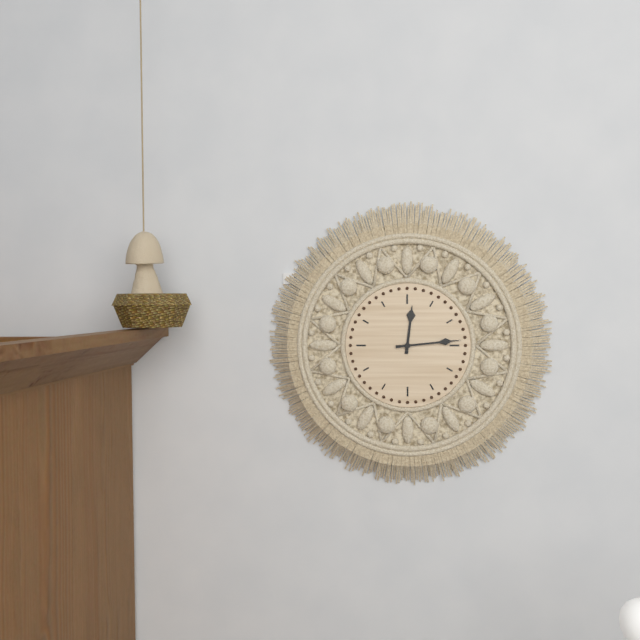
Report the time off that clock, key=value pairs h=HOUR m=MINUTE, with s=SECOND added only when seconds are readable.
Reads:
h=12 m=14
